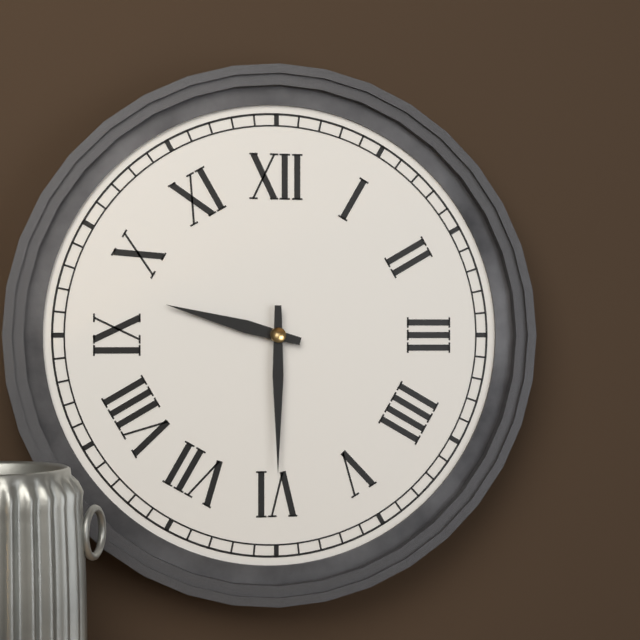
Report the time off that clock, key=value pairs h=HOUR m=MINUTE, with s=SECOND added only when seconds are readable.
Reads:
h=9 m=30
